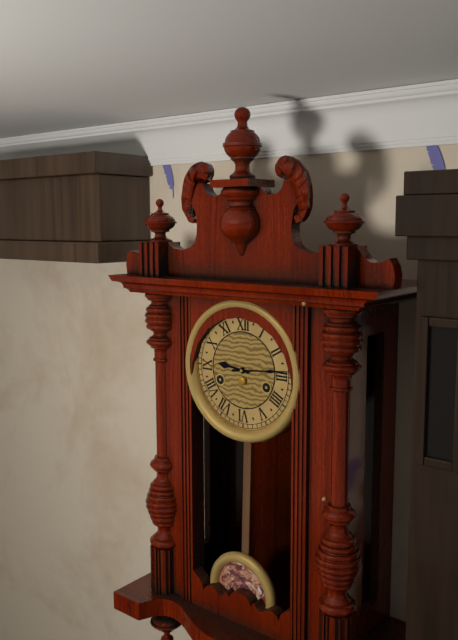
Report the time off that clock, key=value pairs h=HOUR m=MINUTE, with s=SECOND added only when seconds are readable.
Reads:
h=9 m=14
